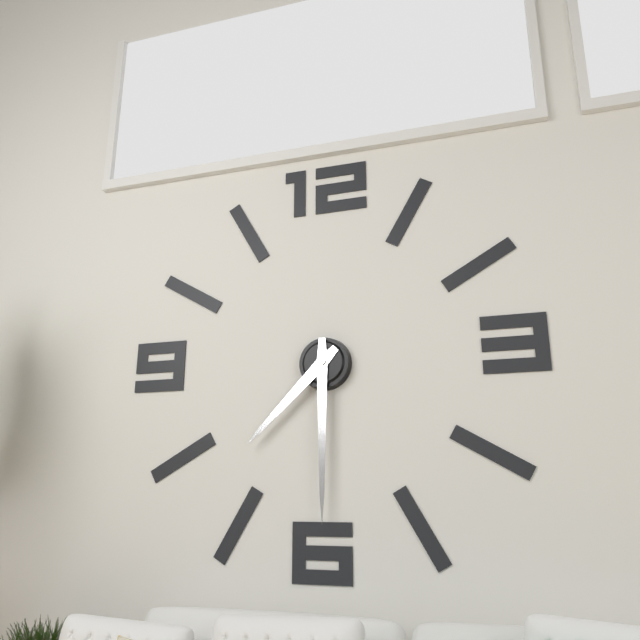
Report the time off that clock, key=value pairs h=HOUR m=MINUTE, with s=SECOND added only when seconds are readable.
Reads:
h=7 m=30
